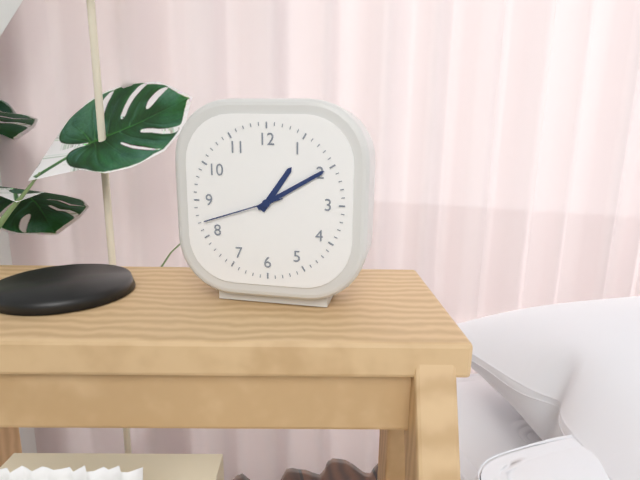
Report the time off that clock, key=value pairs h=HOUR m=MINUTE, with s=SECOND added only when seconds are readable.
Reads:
h=1 m=10 s=42
